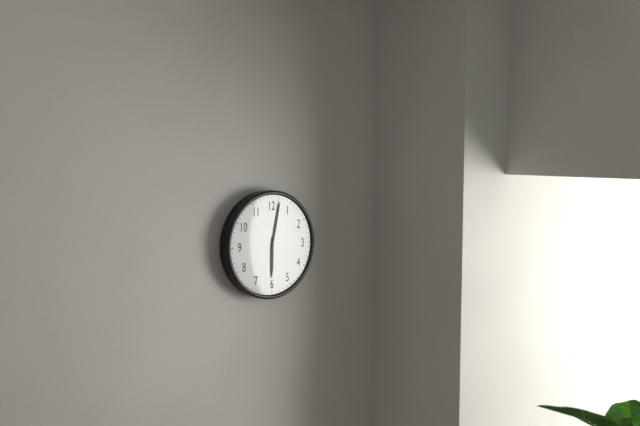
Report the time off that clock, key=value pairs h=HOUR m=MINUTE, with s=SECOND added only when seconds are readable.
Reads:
h=6 m=2
